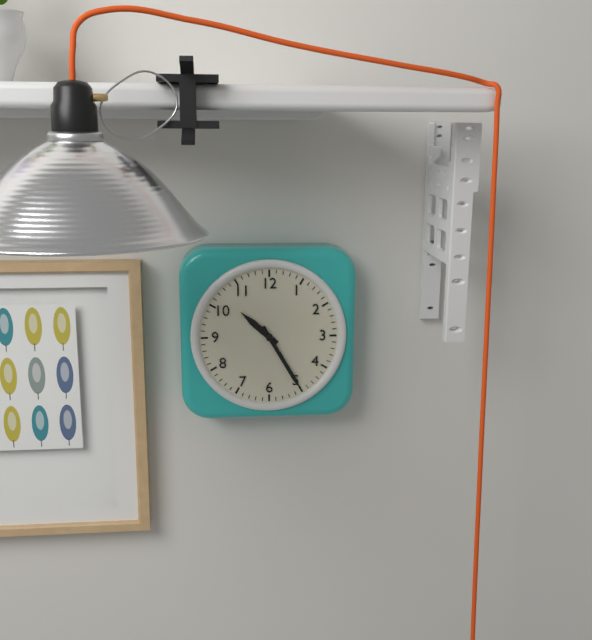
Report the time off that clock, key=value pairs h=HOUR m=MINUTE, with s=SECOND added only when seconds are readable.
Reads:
h=10 m=25
